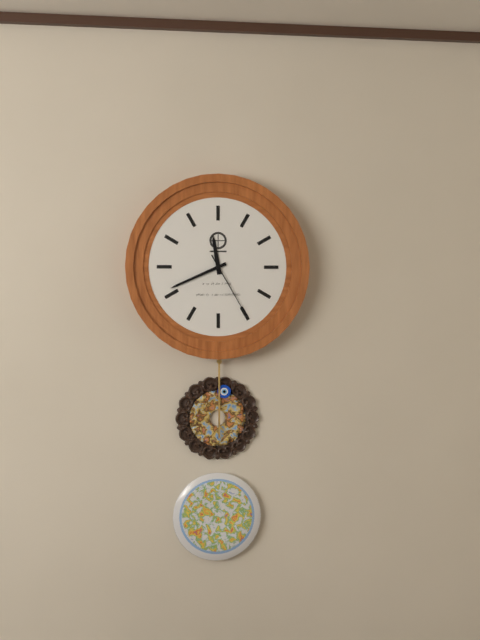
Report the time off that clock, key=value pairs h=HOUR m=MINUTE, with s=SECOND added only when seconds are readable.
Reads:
h=11 m=41 s=25
